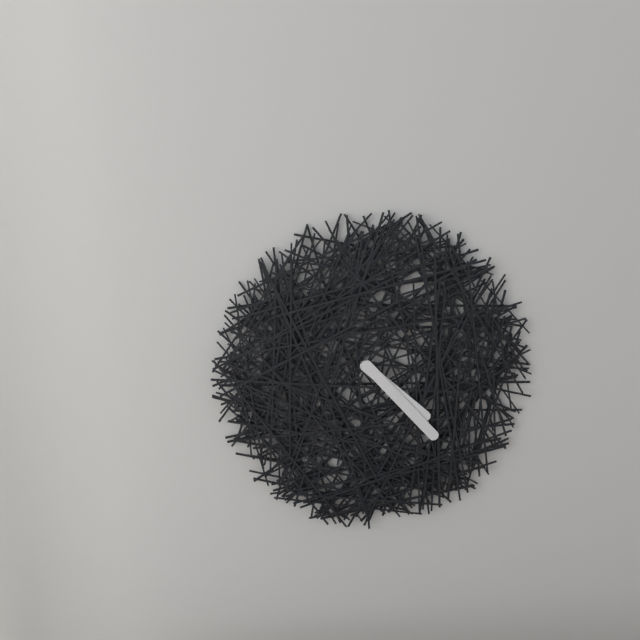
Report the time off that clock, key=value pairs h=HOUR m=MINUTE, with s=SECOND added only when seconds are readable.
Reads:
h=4 m=23
